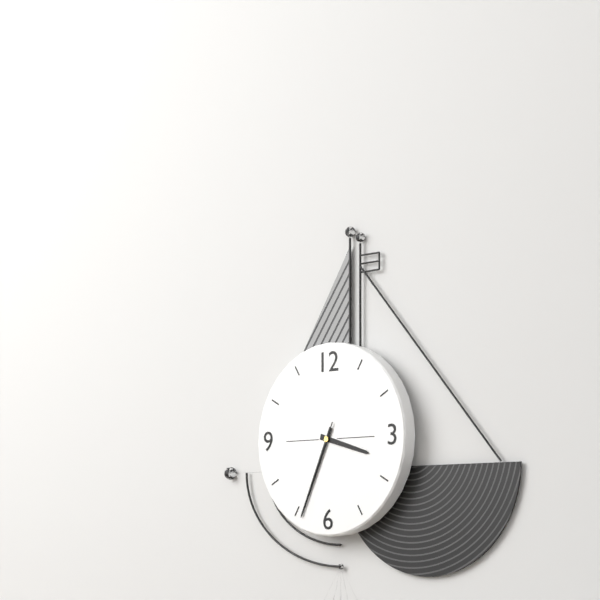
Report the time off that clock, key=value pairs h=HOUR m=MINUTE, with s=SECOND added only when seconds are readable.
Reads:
h=3 m=34 s=34
